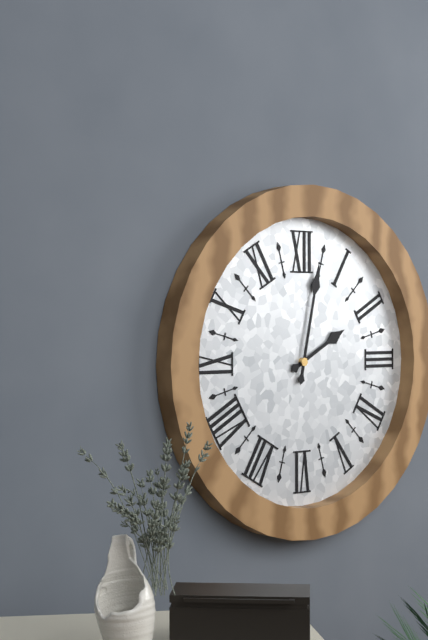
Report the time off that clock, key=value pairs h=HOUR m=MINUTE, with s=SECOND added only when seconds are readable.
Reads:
h=2 m=2
